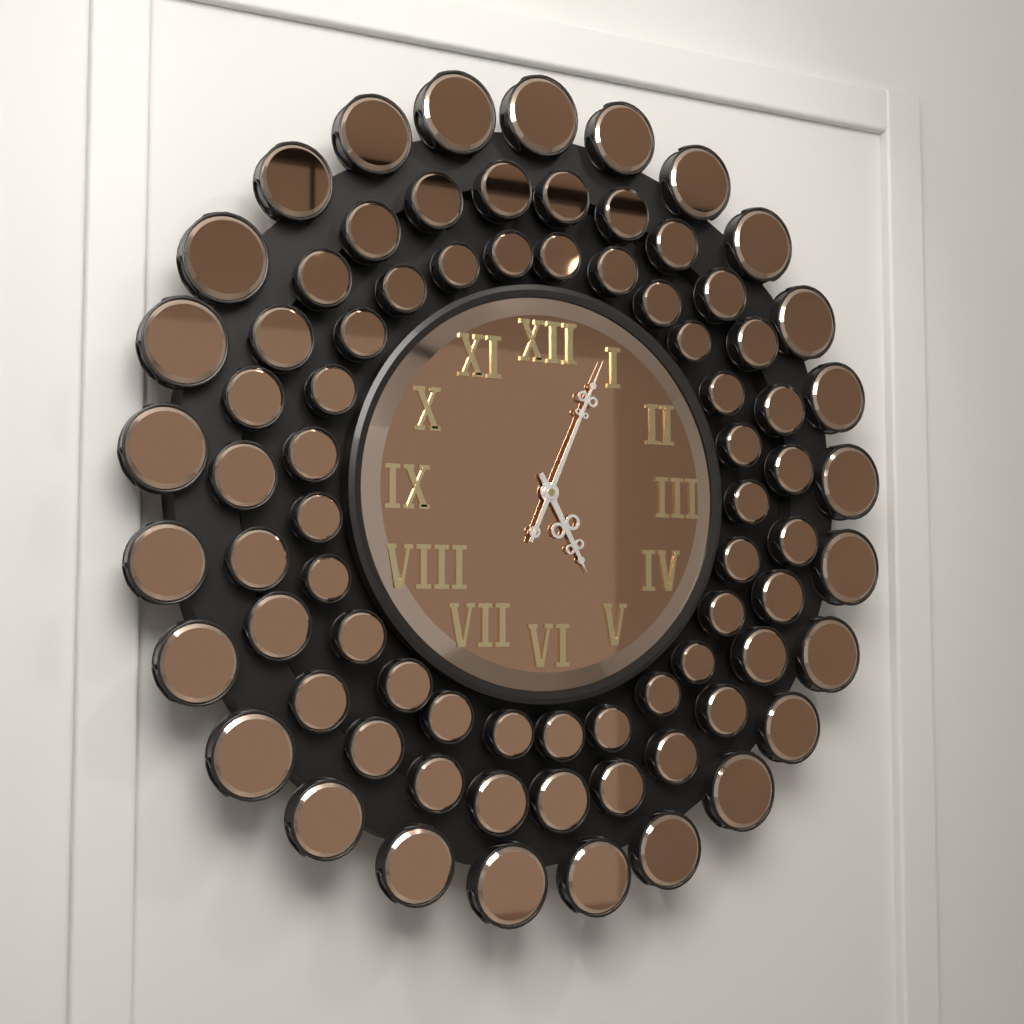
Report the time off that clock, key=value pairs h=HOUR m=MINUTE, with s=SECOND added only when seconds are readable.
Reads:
h=5 m=4
